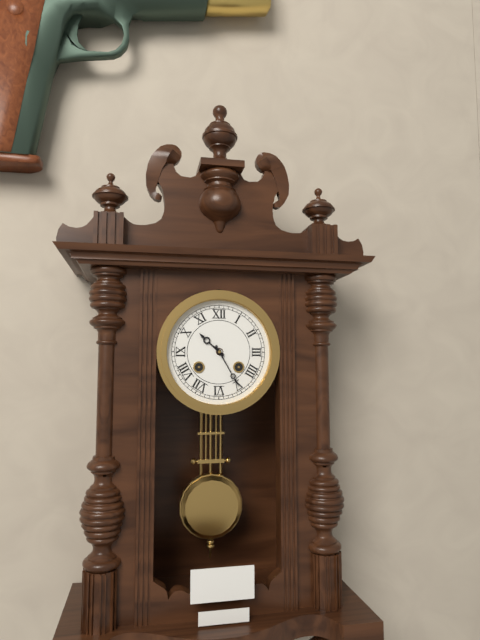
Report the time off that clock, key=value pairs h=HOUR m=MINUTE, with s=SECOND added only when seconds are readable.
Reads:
h=10 m=25
